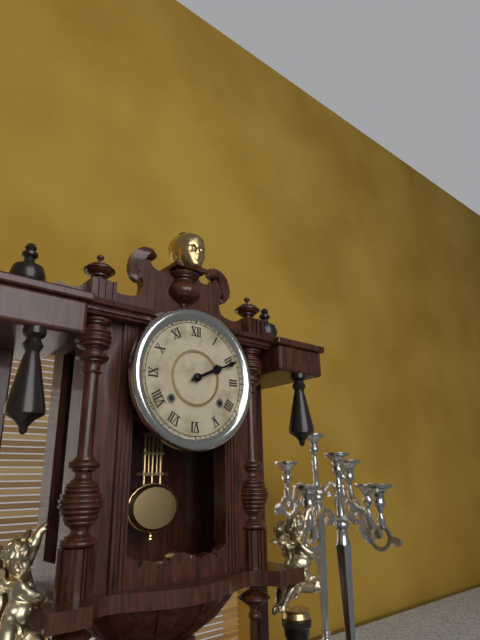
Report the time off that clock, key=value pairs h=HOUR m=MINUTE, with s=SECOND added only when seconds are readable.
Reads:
h=2 m=11
